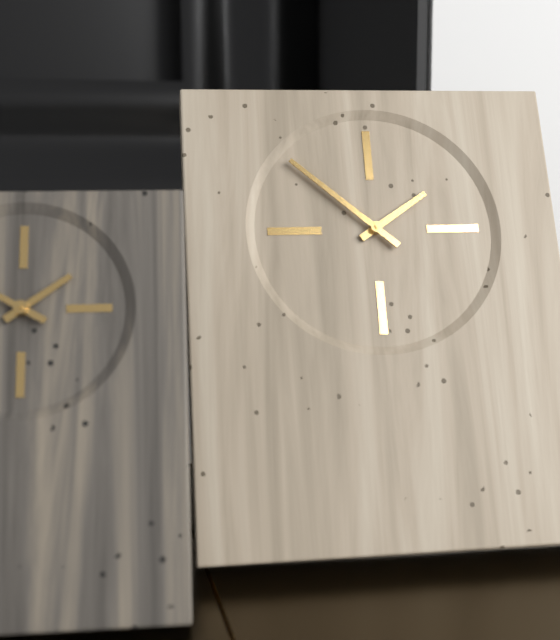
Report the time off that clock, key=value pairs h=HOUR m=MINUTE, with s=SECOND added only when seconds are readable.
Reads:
h=1 m=52
